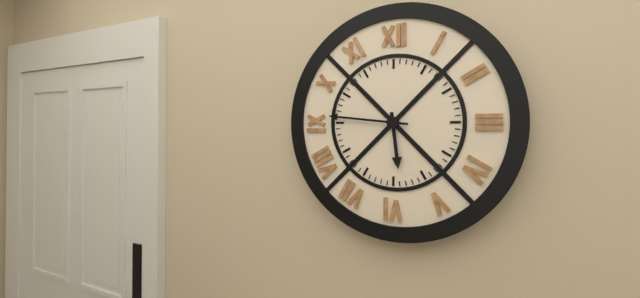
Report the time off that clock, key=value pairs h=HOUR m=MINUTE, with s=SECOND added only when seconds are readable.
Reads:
h=5 m=46
